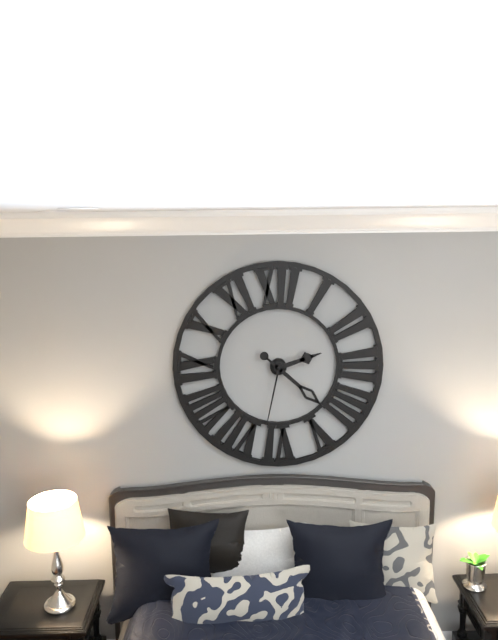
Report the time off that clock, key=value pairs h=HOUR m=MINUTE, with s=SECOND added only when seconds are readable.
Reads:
h=2 m=22 s=32
